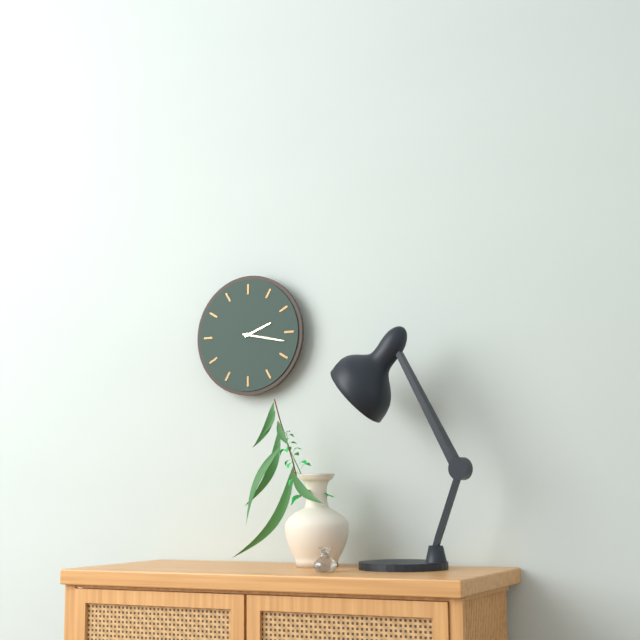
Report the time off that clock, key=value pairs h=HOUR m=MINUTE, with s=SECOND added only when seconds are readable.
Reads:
h=2 m=17
